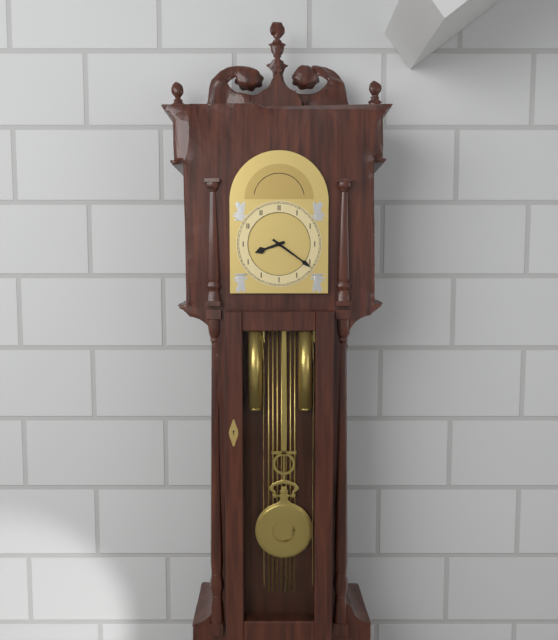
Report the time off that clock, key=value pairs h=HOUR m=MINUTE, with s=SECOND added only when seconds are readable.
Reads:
h=8 m=21
